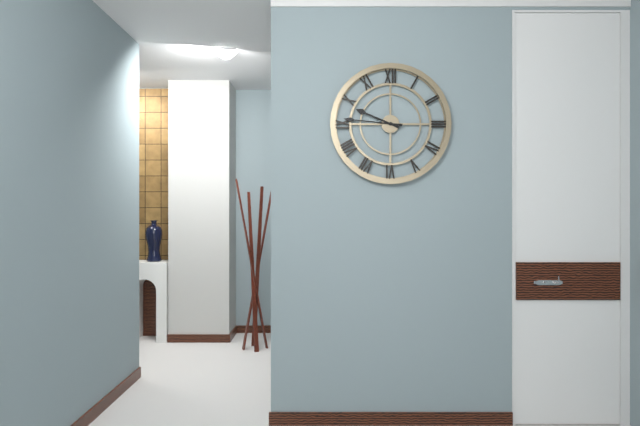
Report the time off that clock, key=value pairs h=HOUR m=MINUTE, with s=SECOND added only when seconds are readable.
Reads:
h=9 m=46
